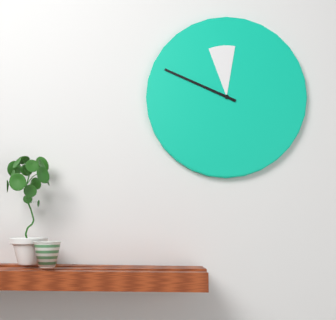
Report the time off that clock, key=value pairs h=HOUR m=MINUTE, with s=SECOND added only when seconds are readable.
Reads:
h=11 m=49
